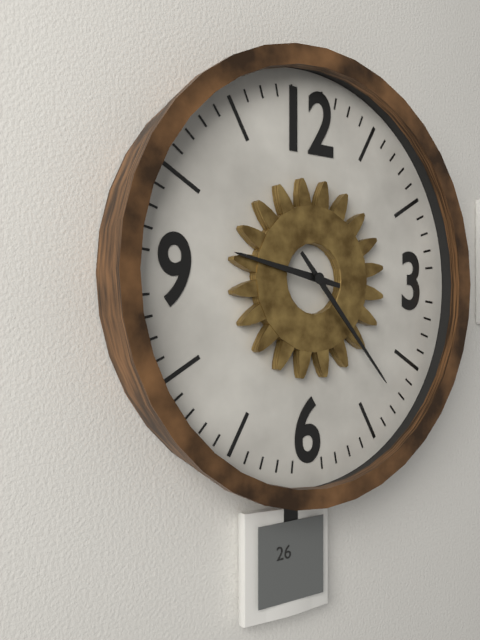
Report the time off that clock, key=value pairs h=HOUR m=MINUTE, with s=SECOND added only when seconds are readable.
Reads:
h=9 m=23
